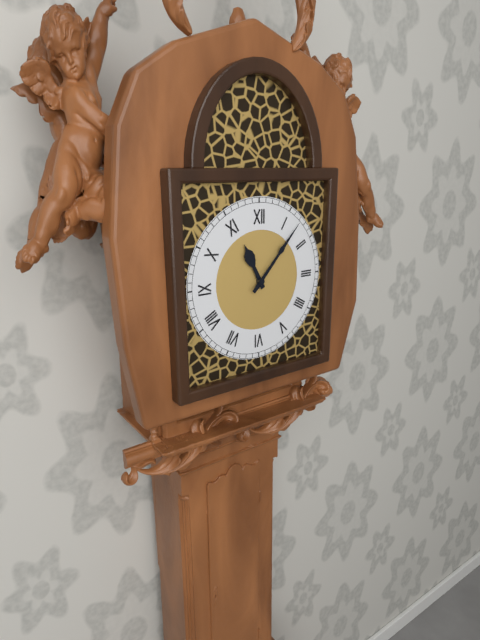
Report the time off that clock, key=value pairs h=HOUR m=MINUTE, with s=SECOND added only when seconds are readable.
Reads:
h=11 m=7
